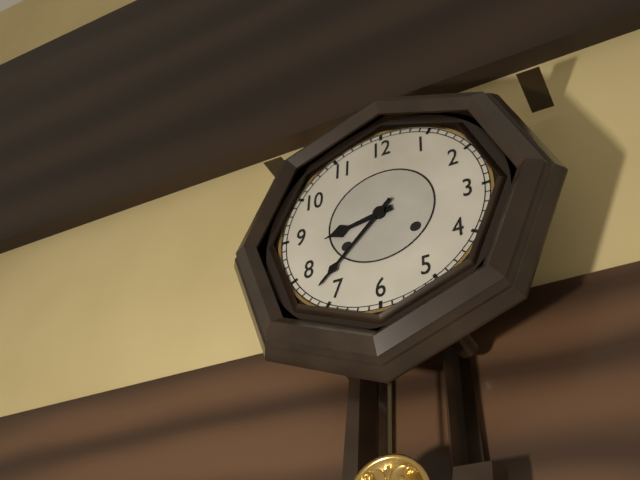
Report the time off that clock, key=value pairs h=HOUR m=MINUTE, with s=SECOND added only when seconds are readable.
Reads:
h=8 m=37
